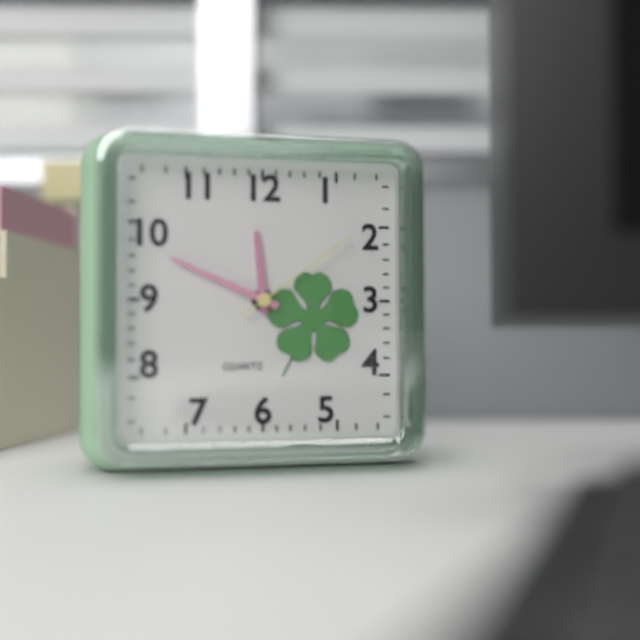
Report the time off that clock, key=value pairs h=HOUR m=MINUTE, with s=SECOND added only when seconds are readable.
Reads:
h=11 m=49 s=9
